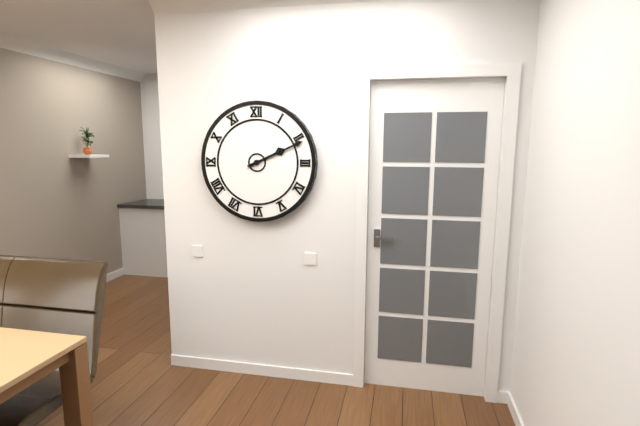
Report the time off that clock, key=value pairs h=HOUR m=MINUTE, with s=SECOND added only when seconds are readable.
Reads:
h=2 m=11
